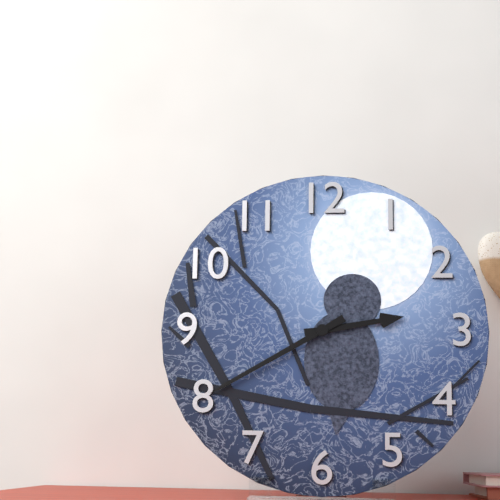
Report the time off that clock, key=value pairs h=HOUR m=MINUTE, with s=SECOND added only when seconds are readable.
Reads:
h=2 m=40
